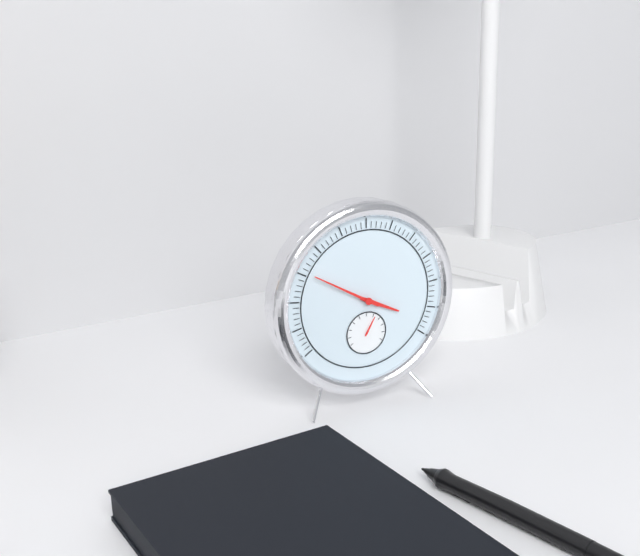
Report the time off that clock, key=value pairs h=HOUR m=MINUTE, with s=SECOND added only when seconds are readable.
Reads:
h=3 m=50
